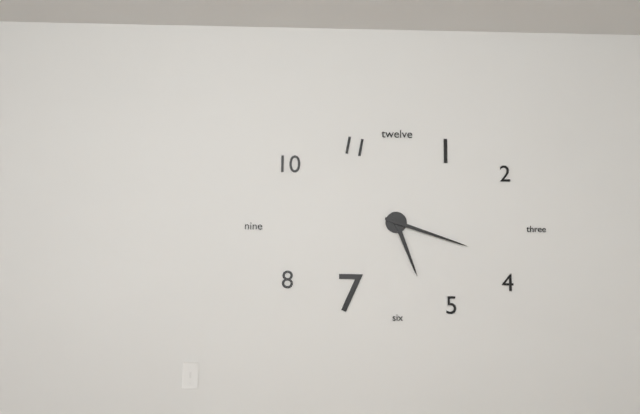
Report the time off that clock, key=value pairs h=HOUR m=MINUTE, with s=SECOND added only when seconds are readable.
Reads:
h=5 m=18
